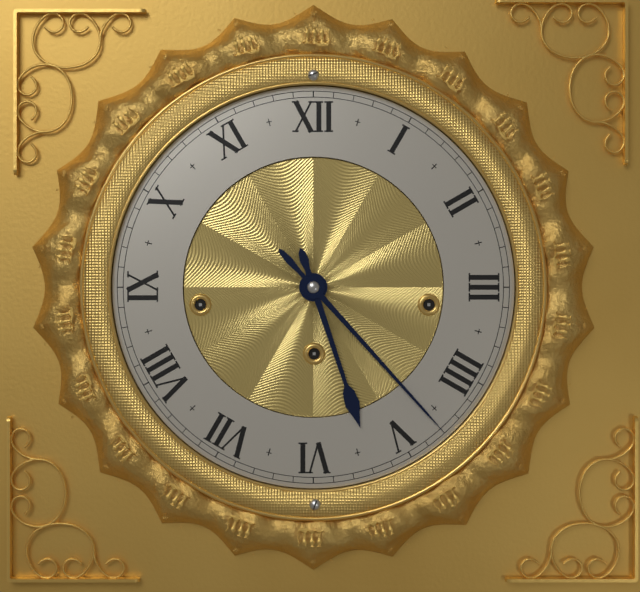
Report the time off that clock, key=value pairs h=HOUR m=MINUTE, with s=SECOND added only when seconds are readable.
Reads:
h=5 m=23
